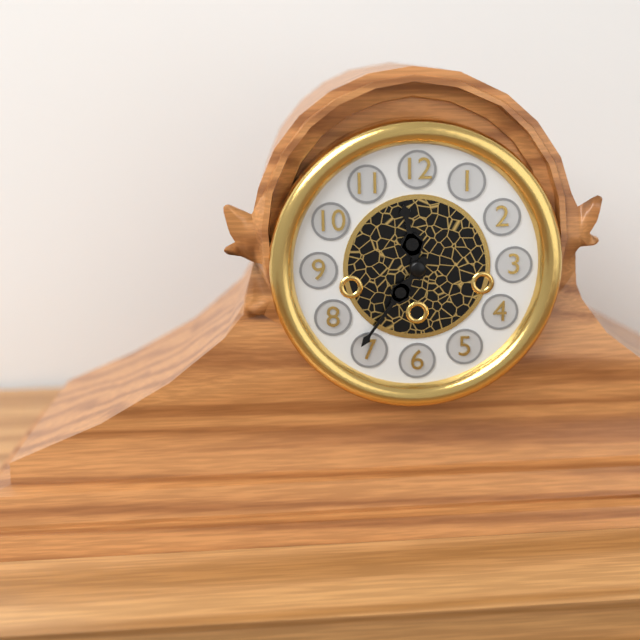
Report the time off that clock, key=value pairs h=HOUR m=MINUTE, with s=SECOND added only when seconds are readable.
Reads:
h=11 m=36
